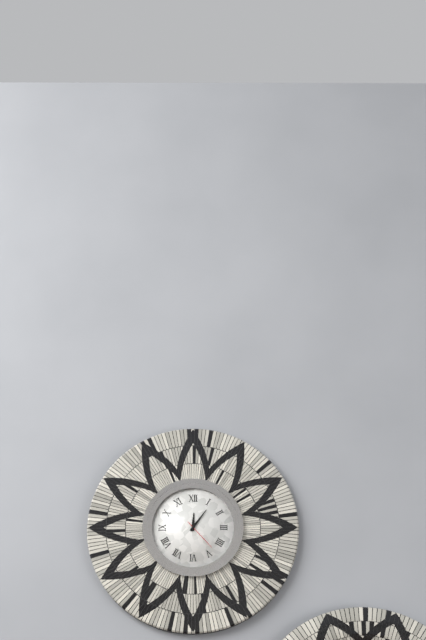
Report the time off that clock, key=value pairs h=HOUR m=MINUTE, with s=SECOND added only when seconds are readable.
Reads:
h=12 m=6
